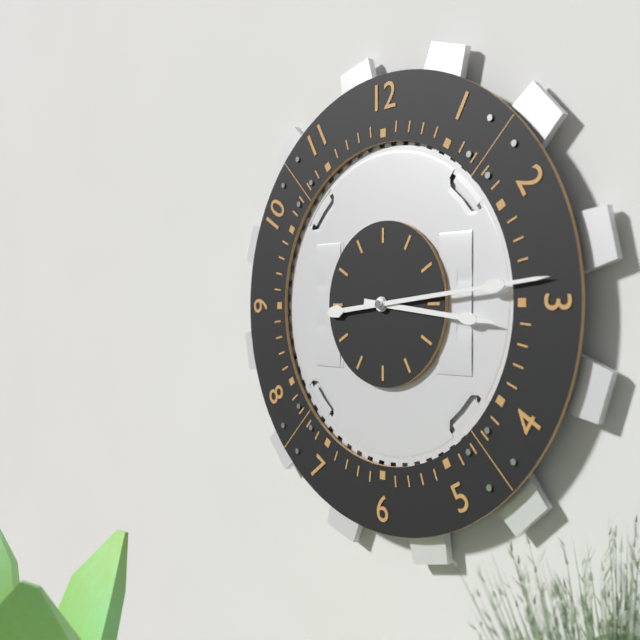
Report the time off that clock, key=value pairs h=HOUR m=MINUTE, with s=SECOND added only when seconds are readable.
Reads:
h=3 m=14
